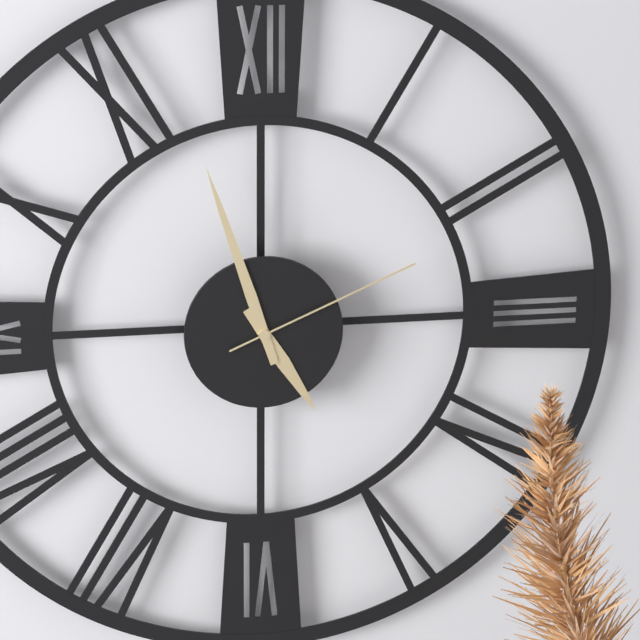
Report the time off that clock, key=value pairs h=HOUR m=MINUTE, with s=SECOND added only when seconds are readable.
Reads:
h=4 m=57 s=11
